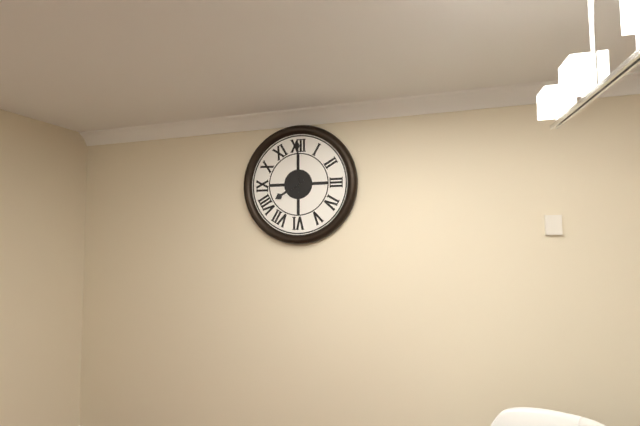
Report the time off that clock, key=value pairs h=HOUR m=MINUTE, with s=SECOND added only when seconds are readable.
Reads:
h=8 m=0
